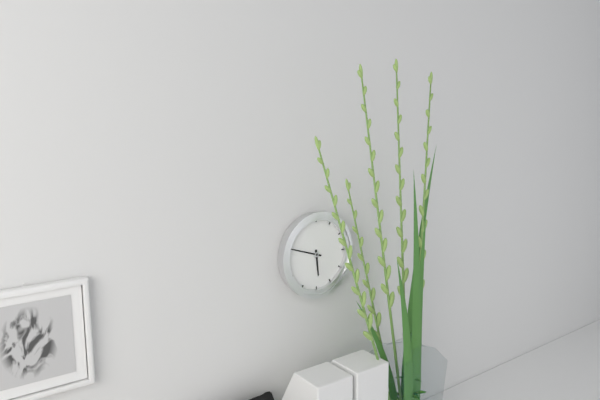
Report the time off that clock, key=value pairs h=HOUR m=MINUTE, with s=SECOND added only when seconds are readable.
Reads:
h=5 m=48
